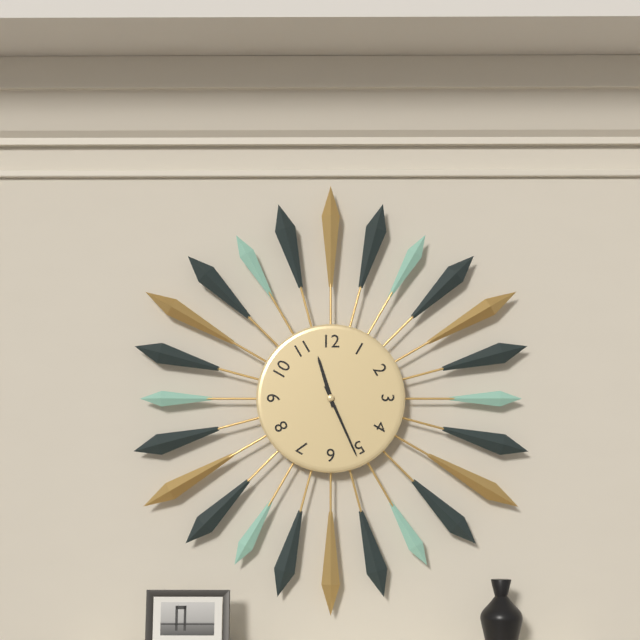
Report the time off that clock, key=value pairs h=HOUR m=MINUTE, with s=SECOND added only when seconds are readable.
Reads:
h=11 m=26
